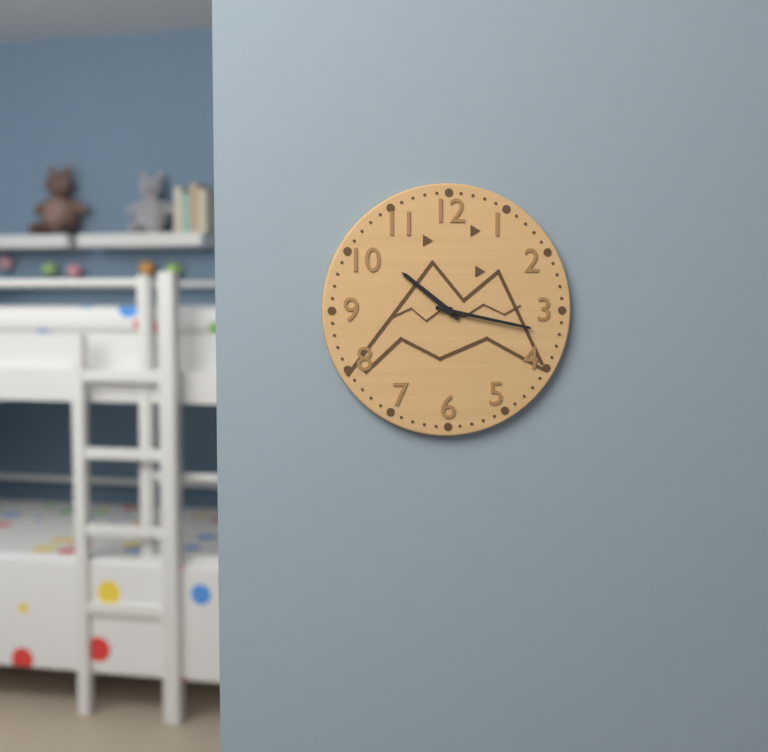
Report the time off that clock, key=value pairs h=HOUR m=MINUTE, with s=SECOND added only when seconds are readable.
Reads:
h=10 m=17
